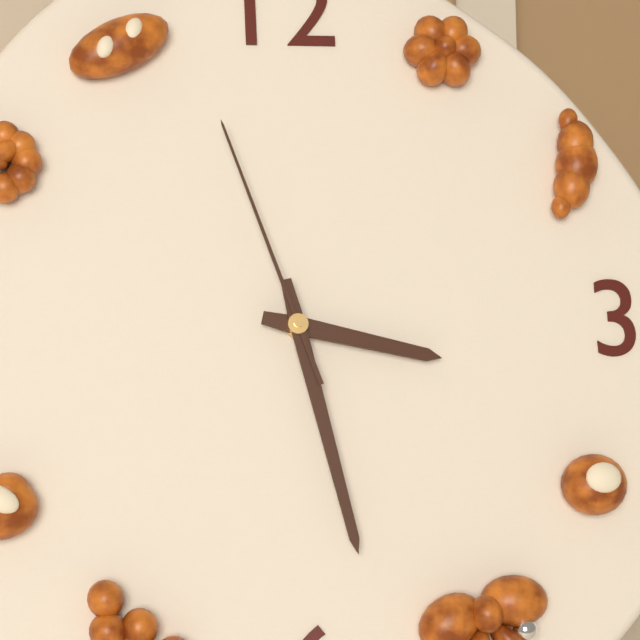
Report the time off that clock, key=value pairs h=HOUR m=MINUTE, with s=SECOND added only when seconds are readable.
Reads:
h=3 m=28 s=57
